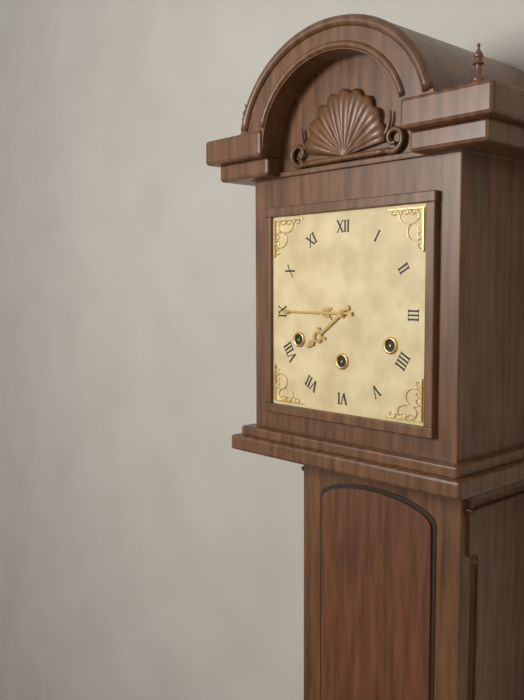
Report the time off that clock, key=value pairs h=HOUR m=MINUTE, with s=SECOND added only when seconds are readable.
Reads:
h=7 m=45
